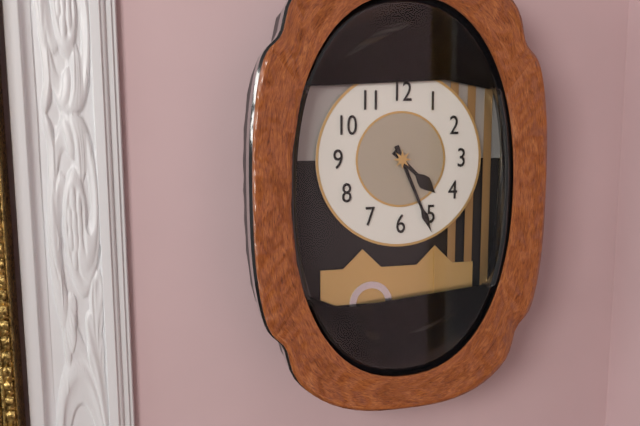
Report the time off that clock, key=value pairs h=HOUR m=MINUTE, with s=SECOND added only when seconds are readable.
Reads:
h=4 m=26
